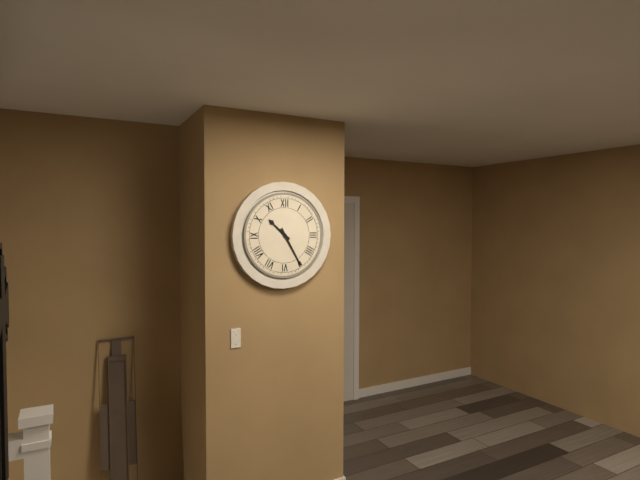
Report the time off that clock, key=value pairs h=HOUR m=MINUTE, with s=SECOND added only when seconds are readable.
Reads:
h=10 m=25
